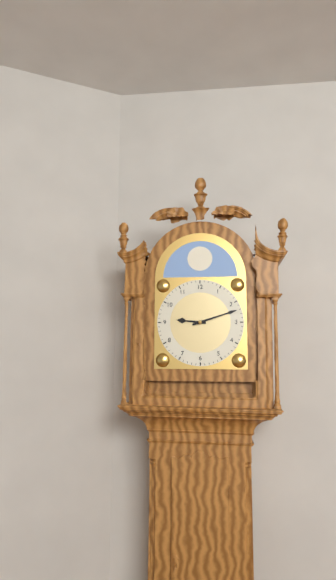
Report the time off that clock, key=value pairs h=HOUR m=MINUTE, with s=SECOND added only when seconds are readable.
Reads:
h=9 m=12
